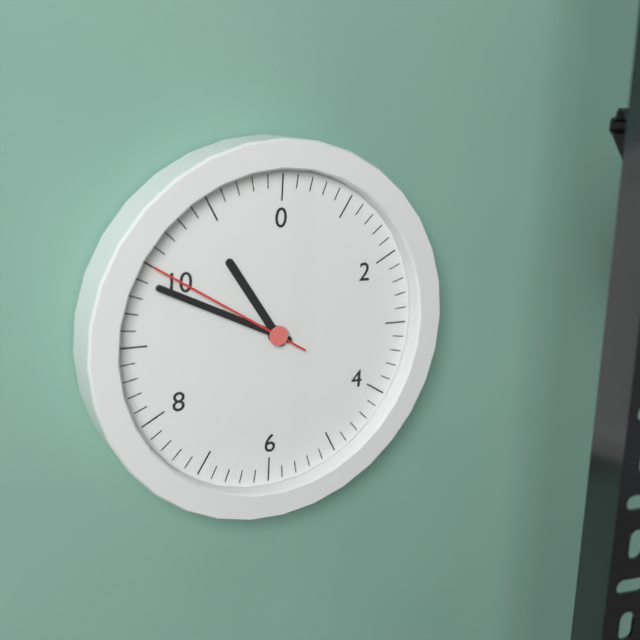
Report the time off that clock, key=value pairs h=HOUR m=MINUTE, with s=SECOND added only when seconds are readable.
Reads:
h=10 m=49 s=50
